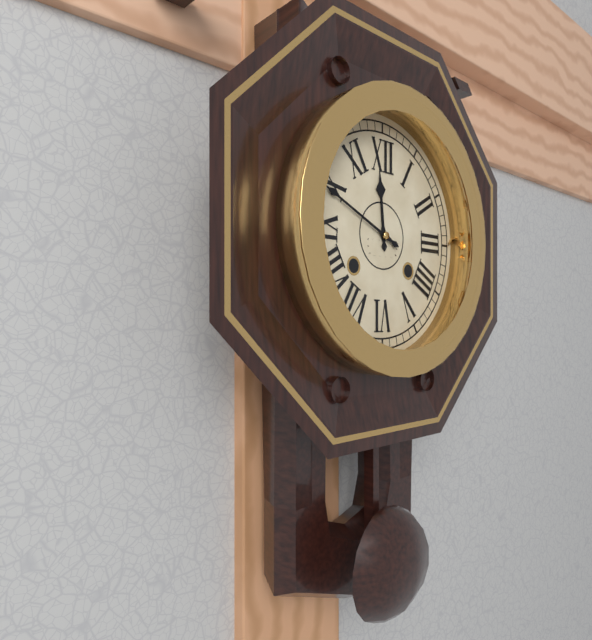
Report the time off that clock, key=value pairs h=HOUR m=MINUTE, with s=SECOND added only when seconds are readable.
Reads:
h=11 m=49
